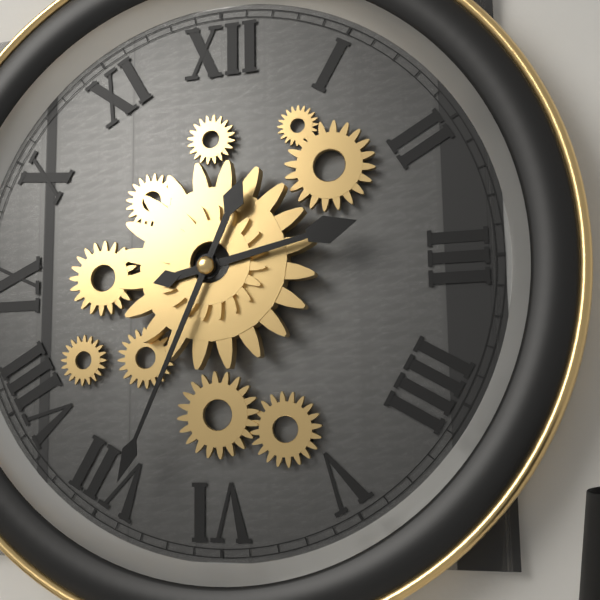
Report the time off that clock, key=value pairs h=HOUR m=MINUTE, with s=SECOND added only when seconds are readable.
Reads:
h=2 m=34
